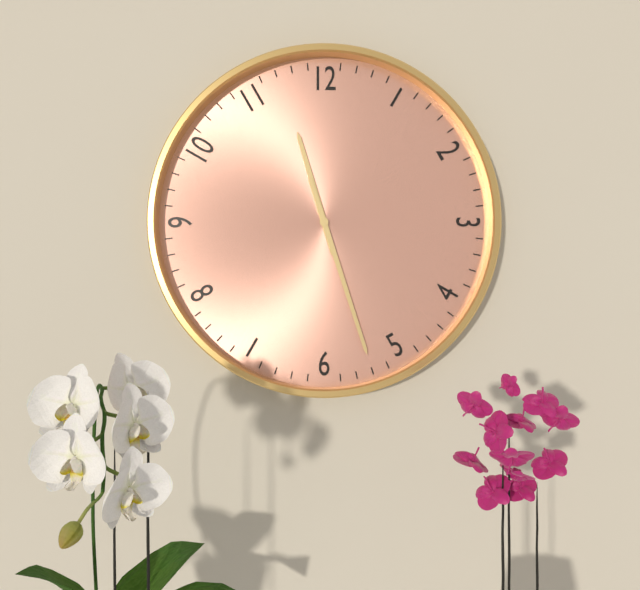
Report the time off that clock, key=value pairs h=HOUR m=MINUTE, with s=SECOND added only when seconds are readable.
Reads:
h=11 m=27
